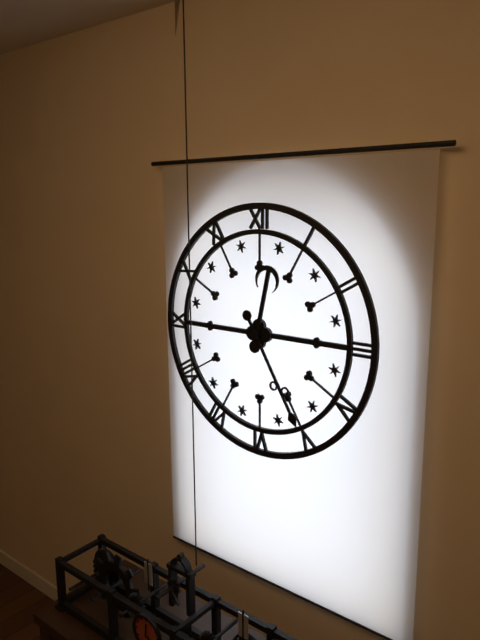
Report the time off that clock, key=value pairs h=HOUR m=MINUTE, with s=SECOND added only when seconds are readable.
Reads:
h=12 m=25
